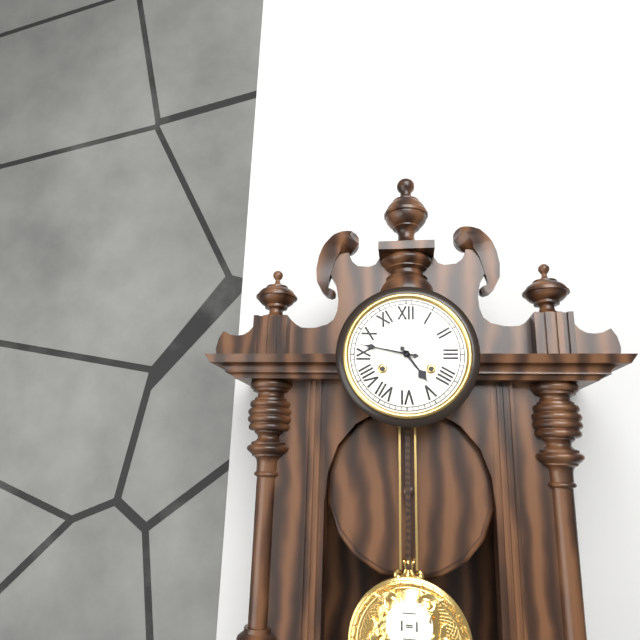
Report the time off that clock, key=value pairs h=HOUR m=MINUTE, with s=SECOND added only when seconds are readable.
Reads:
h=4 m=47
